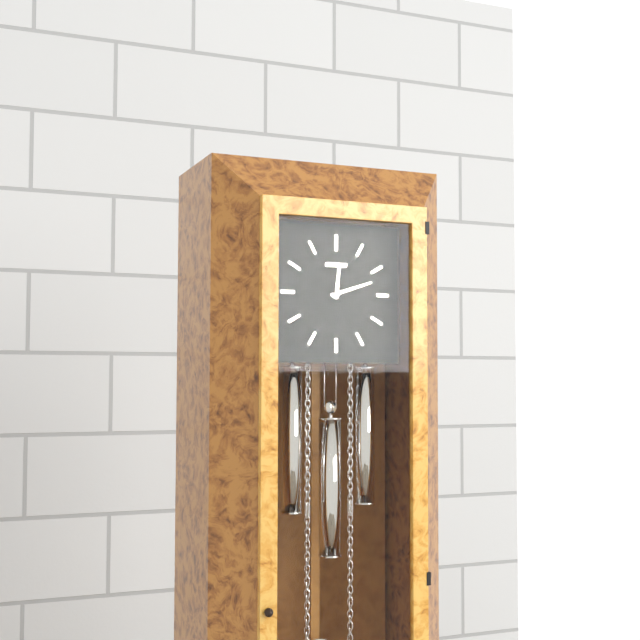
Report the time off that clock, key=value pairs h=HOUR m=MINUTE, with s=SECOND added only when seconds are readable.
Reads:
h=12 m=12
